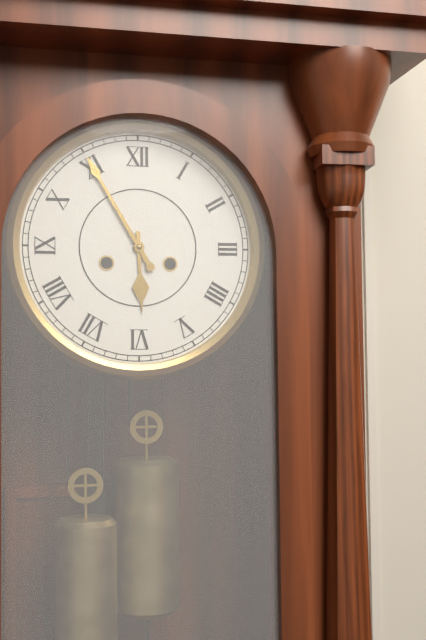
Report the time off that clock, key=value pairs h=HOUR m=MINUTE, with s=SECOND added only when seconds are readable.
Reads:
h=5 m=55
